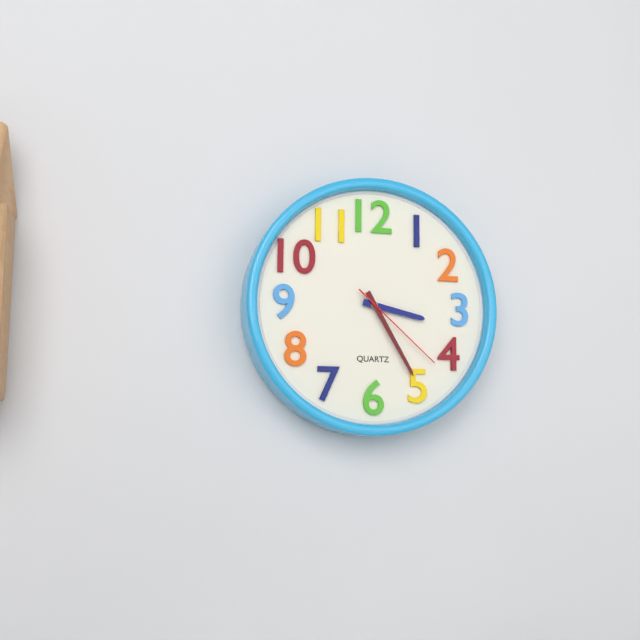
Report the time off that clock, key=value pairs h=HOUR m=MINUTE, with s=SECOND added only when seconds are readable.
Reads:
h=3 m=25 s=22
